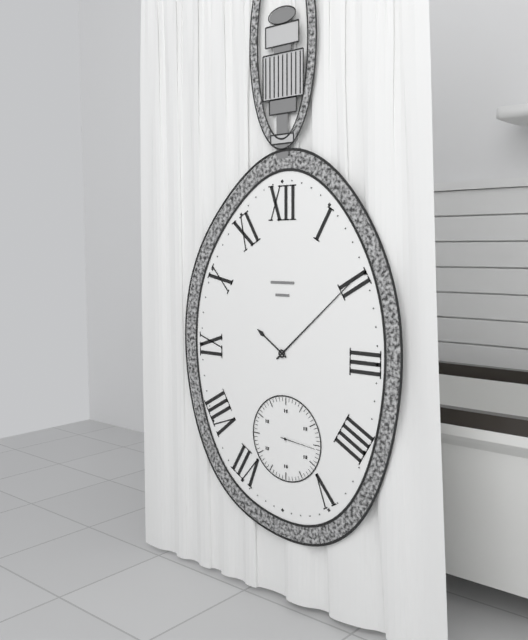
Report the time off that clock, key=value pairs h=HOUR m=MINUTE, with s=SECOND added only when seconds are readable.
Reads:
h=10 m=8
